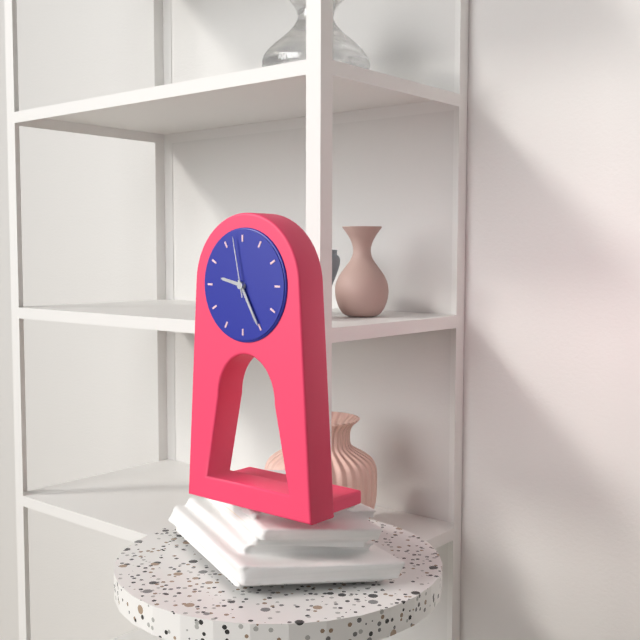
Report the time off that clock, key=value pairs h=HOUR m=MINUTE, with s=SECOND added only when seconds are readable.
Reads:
h=9 m=25 s=58
